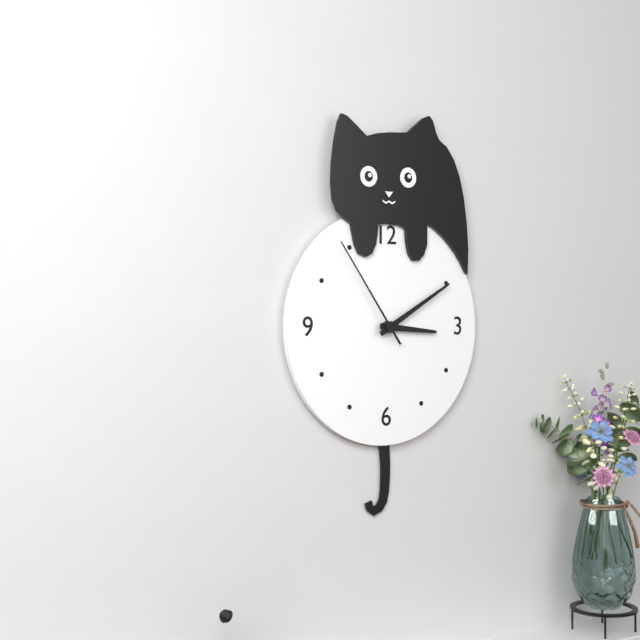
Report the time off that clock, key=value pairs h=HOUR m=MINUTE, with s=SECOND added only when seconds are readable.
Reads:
h=3 m=10 s=54
